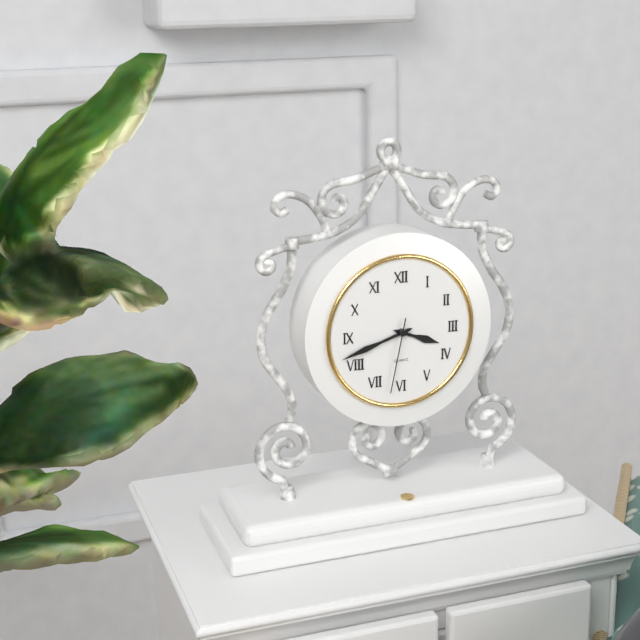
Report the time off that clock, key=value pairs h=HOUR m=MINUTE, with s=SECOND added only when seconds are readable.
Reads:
h=3 m=42 s=32
